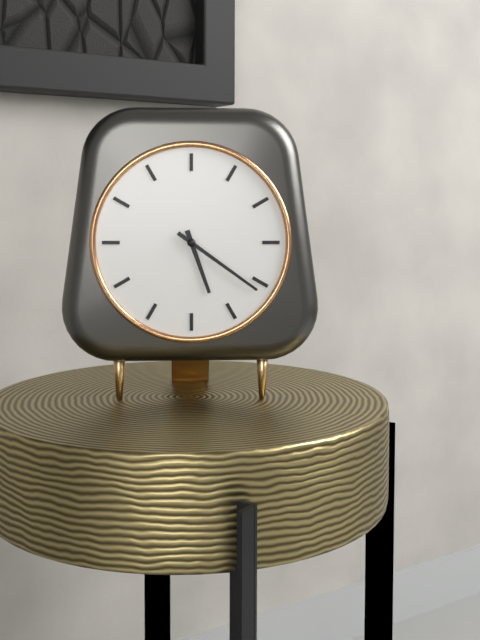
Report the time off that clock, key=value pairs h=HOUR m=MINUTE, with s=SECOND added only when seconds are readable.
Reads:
h=5 m=21
